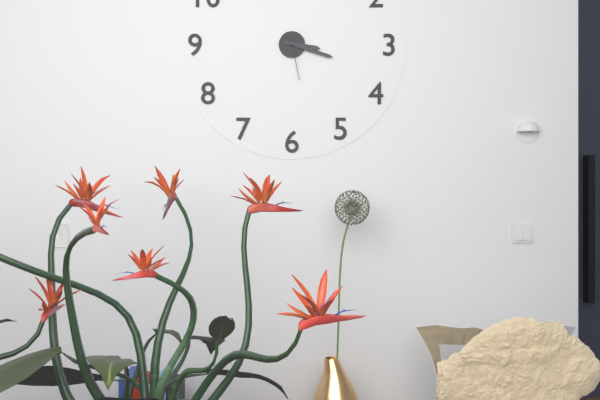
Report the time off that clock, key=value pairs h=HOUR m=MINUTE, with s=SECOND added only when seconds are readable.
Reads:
h=3 m=18
